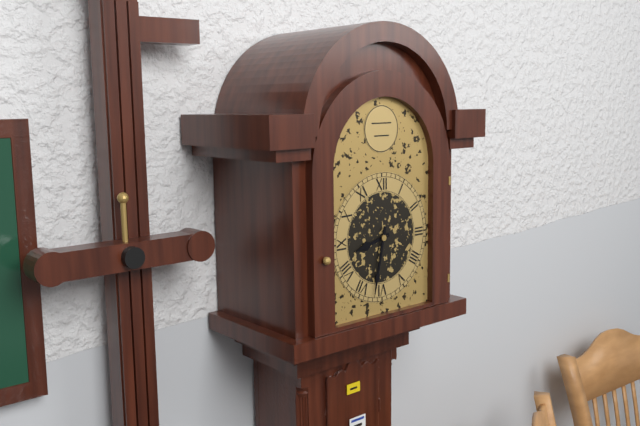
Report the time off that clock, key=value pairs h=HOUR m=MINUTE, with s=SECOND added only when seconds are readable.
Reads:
h=8 m=32
